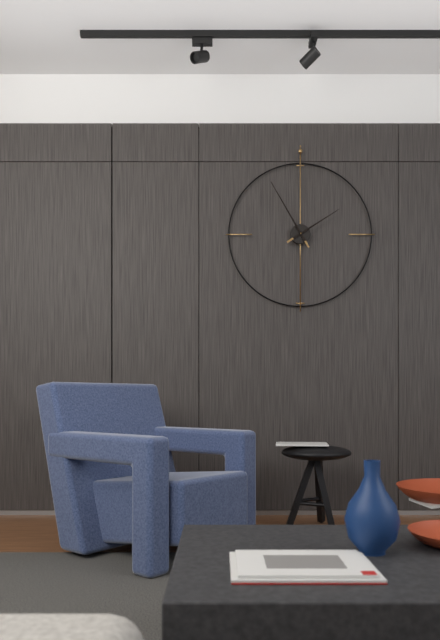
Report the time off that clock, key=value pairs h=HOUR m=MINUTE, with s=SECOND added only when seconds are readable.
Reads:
h=1 m=55
